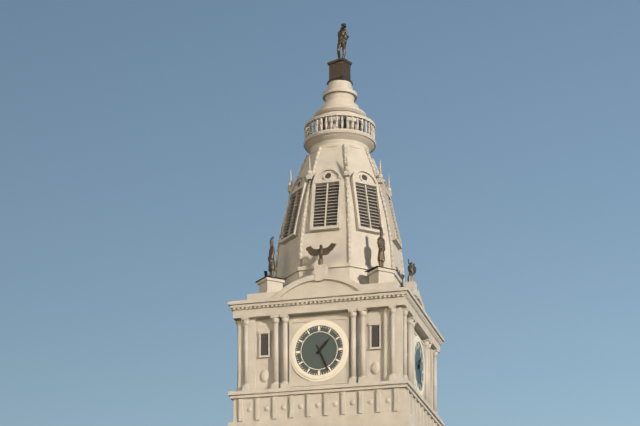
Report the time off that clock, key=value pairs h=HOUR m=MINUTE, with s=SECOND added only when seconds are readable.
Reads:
h=1 m=26
